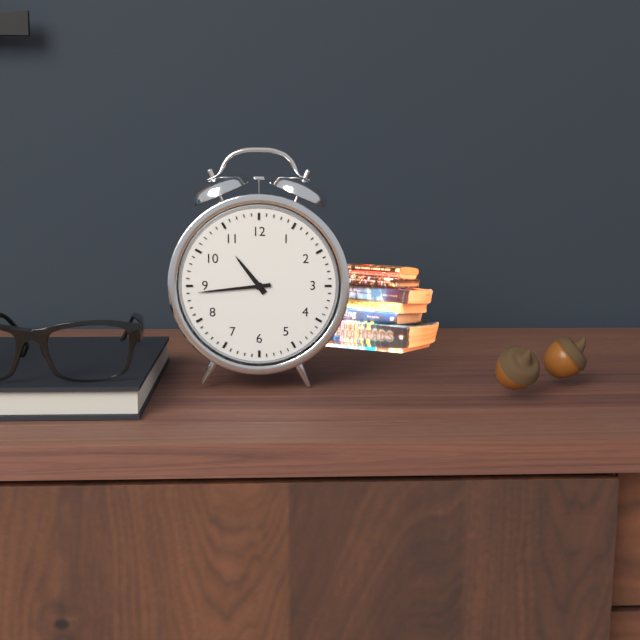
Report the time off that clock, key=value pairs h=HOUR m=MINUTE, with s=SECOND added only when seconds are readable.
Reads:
h=10 m=44
